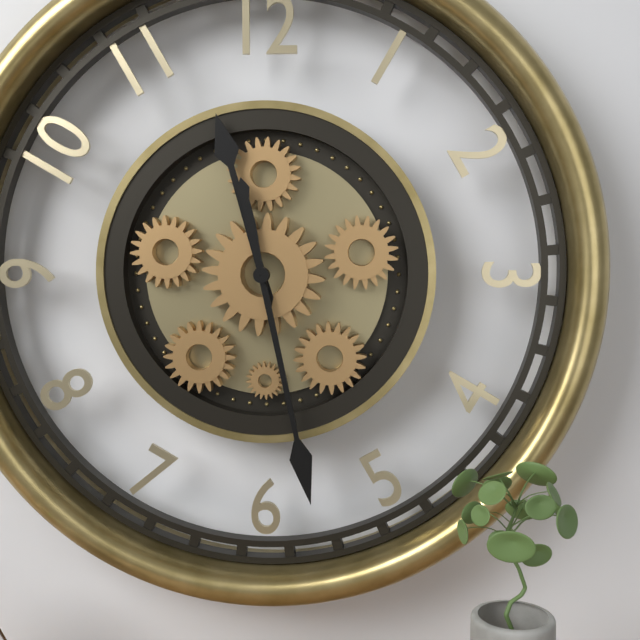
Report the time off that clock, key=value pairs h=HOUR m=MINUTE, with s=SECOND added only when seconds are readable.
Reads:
h=11 m=28
